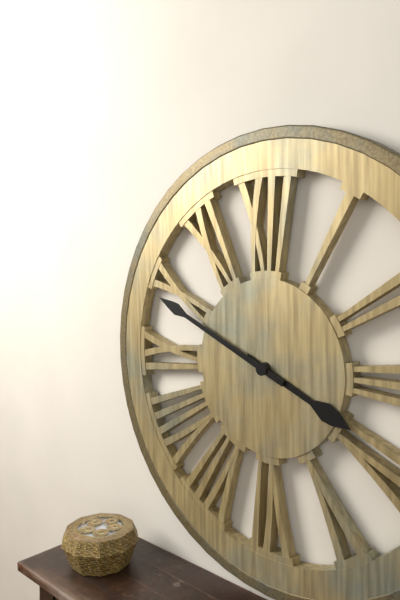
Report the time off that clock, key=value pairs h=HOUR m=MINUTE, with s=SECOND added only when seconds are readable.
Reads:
h=3 m=49
